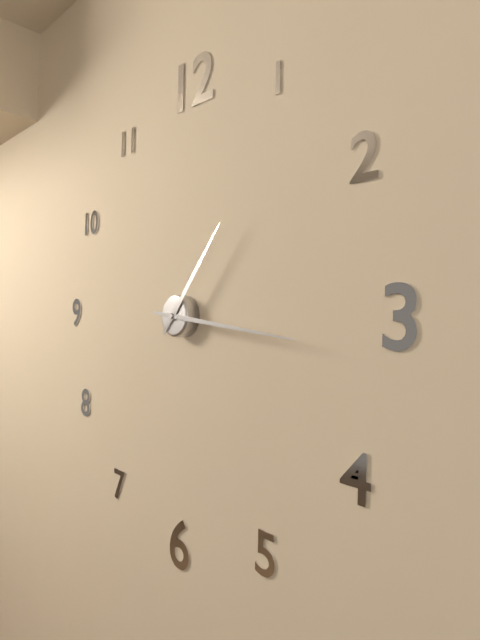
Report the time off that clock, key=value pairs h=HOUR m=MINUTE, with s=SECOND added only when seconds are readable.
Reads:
h=1 m=16
